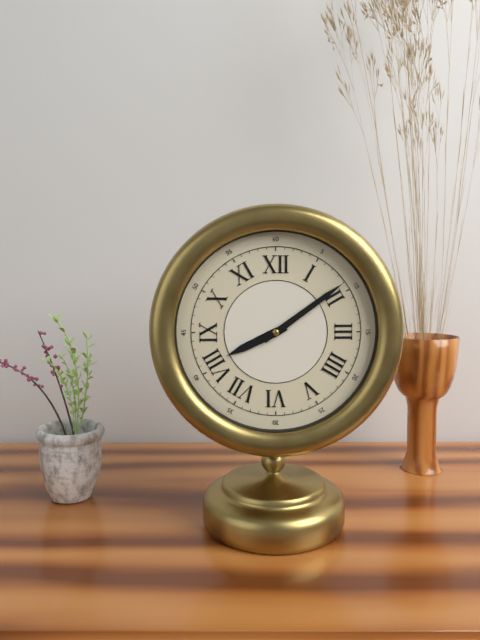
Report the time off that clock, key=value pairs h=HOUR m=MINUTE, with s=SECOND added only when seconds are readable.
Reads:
h=8 m=9
